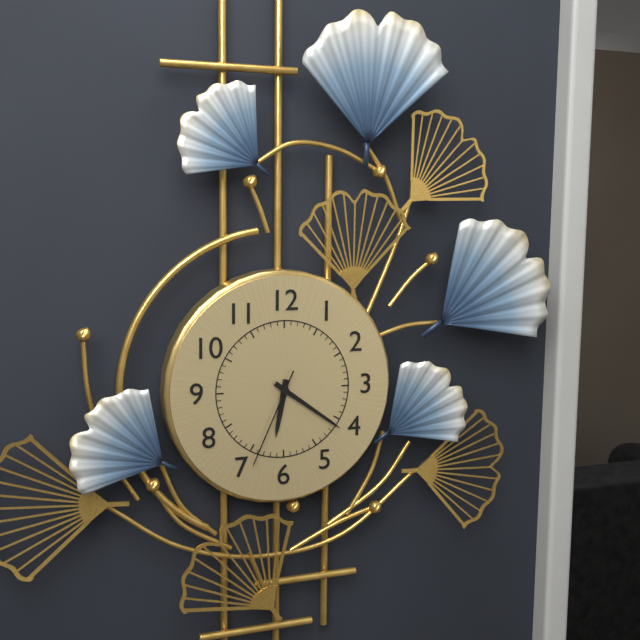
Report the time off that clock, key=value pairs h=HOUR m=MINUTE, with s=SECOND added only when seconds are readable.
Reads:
h=6 m=21 s=34
